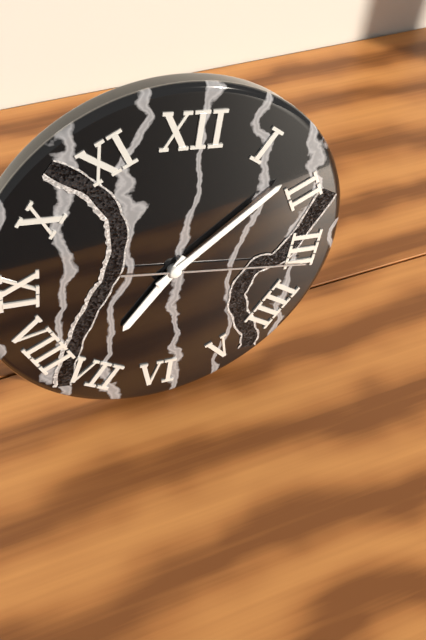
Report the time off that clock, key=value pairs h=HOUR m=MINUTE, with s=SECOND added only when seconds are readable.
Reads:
h=7 m=8 s=16
